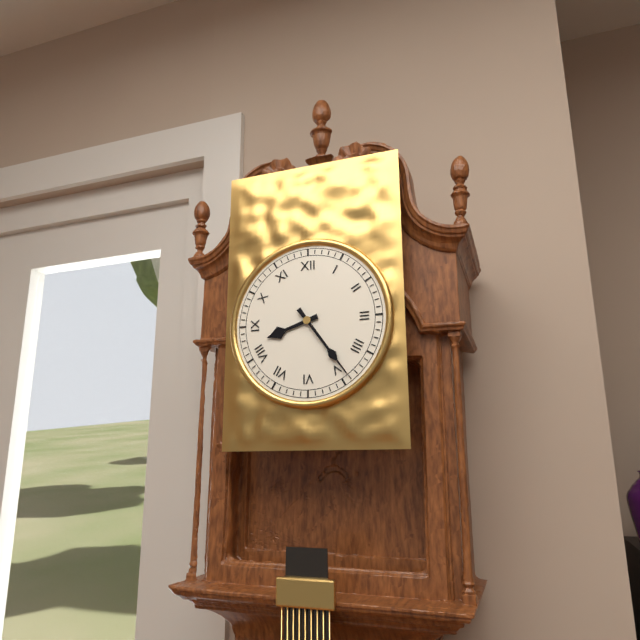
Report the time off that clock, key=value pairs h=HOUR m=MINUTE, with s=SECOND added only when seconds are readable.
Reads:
h=8 m=24
